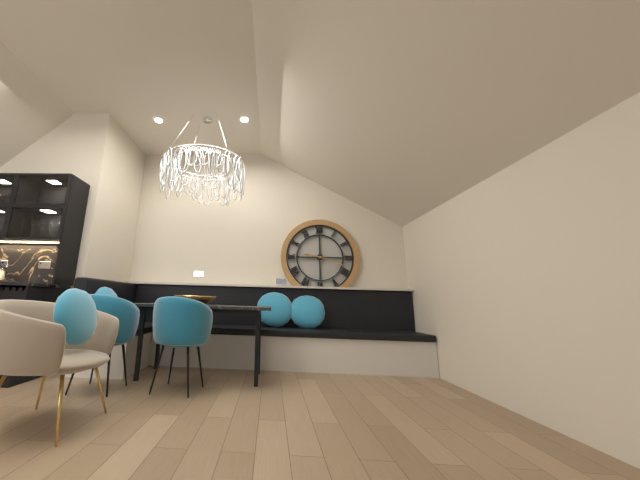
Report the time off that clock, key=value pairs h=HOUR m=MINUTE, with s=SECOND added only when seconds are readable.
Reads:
h=9 m=18
